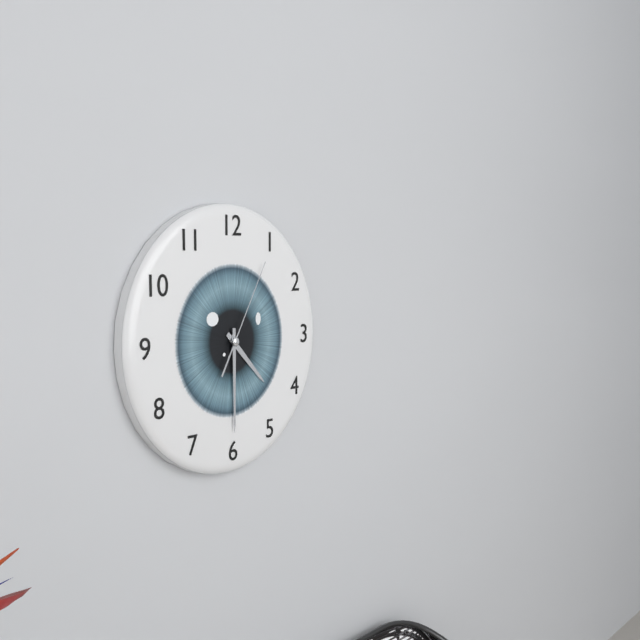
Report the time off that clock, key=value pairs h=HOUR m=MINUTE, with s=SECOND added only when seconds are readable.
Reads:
h=4 m=30 s=5
